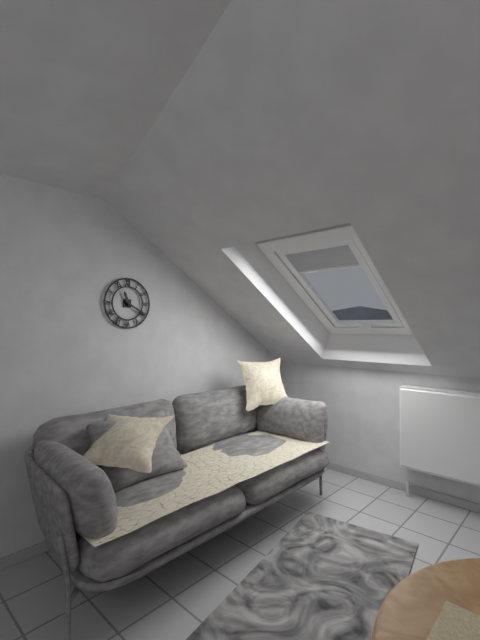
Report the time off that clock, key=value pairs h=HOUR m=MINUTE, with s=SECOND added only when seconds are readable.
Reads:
h=11 m=20
